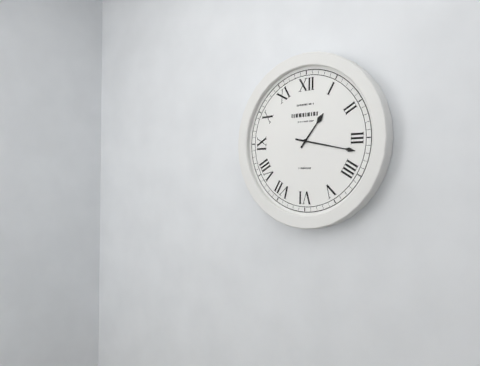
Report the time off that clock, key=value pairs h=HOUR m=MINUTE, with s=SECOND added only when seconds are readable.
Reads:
h=1 m=17
